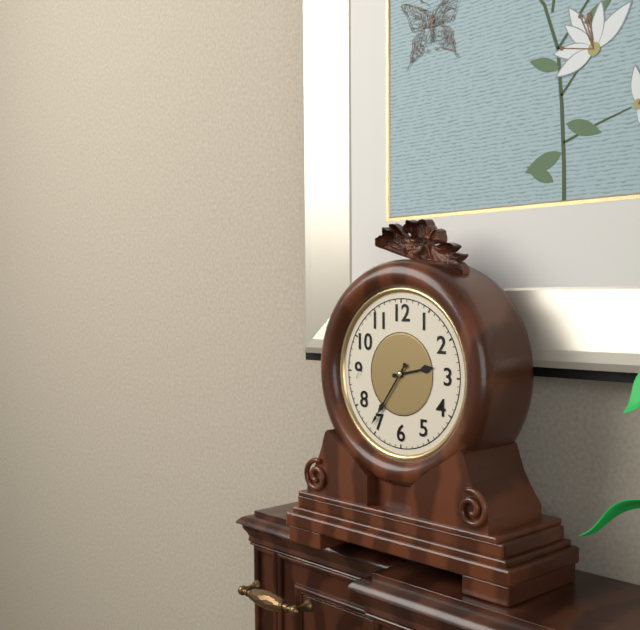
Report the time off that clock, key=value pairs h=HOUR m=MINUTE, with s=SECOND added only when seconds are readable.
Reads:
h=2 m=36
